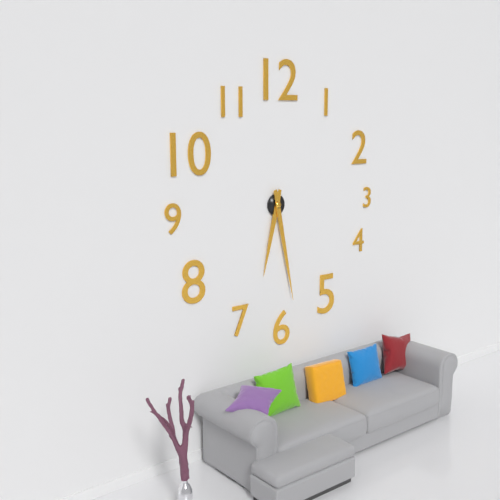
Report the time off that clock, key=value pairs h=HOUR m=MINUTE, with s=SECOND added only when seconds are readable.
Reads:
h=6 m=28
